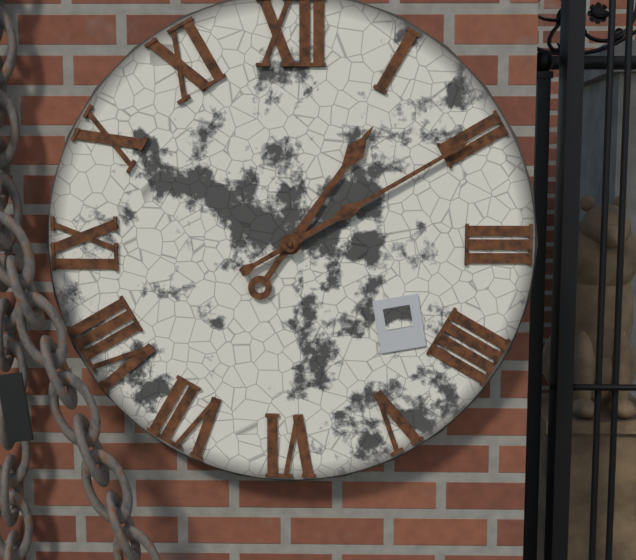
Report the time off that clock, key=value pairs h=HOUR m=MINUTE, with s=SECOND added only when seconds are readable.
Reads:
h=1 m=10
